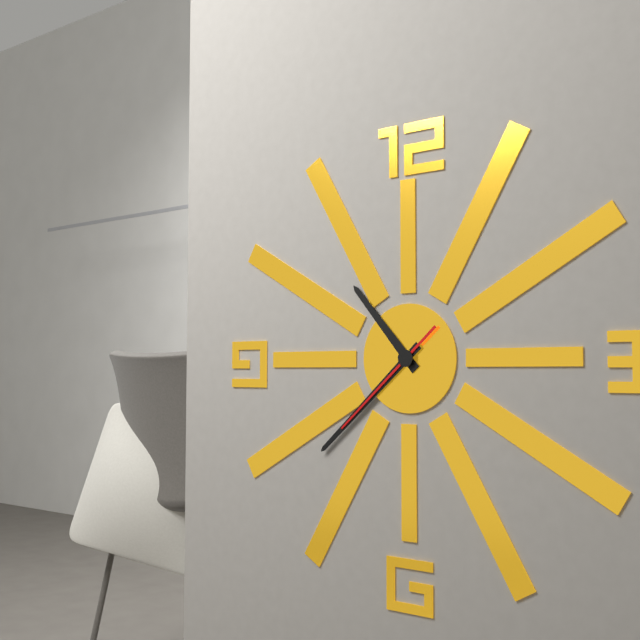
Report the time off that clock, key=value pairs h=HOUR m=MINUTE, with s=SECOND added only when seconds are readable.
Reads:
h=10 m=38 s=38
